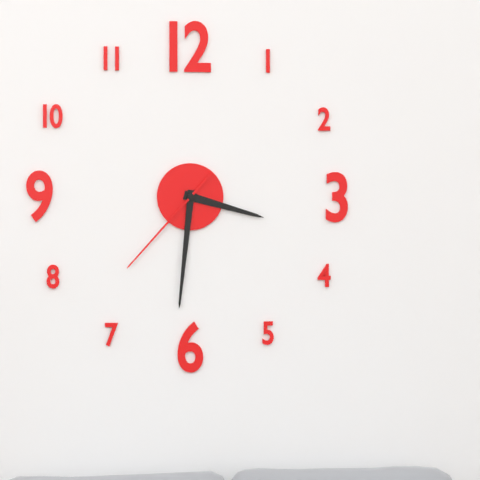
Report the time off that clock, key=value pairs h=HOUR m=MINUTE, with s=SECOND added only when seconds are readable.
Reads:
h=3 m=31 s=37
